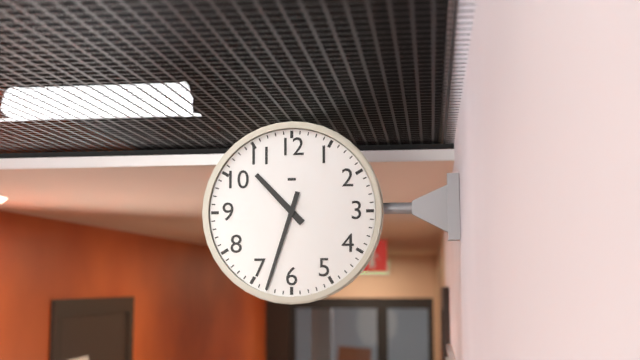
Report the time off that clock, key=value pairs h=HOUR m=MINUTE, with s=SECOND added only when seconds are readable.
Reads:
h=10 m=33
